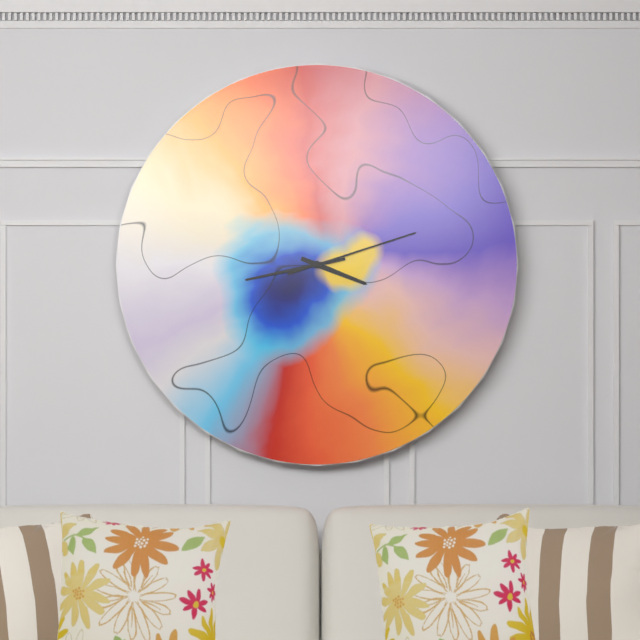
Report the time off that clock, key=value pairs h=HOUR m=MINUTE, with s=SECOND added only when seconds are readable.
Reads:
h=3 m=43 s=12
